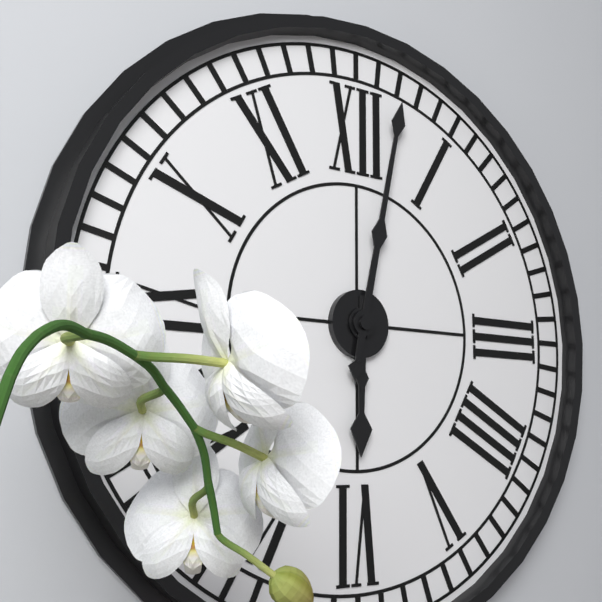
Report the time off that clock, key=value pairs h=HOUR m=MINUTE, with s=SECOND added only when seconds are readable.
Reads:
h=6 m=2
